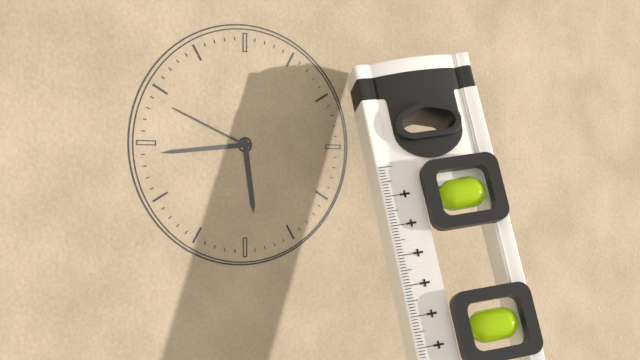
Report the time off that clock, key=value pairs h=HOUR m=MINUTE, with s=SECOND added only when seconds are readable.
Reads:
h=5 m=44 s=49
